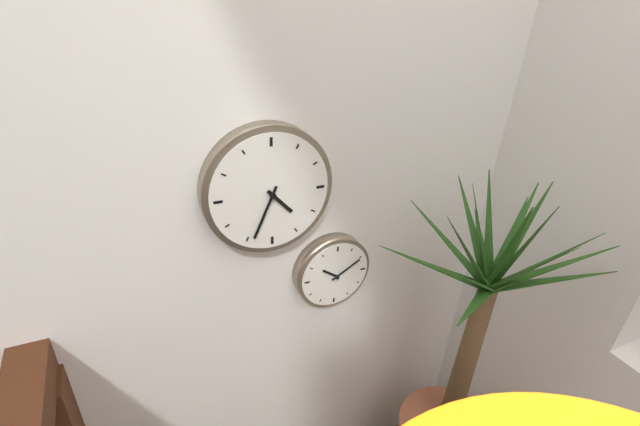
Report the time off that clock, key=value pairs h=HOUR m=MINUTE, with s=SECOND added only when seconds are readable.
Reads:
h=4 m=34
